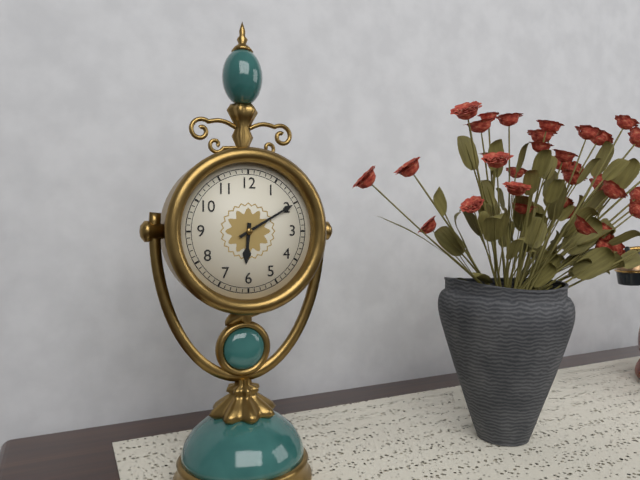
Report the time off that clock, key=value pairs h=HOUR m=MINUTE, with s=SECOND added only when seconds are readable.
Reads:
h=6 m=10
